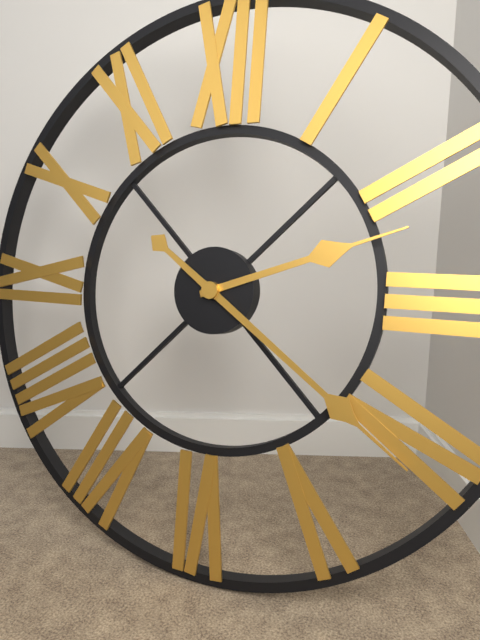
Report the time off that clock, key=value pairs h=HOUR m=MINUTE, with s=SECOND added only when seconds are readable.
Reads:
h=2 m=21
